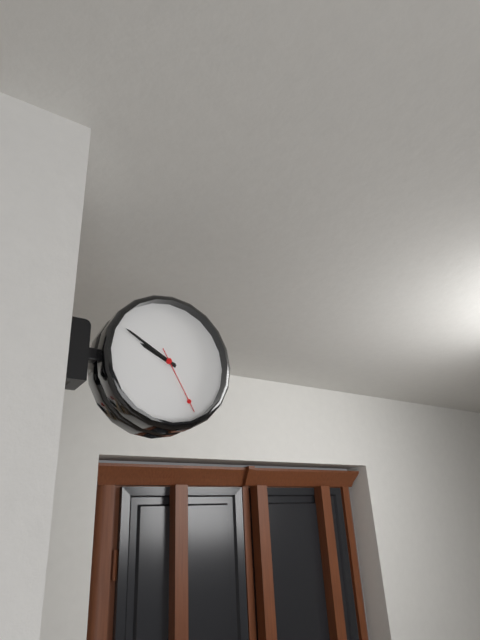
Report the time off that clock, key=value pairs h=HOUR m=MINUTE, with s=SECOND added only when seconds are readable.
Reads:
h=9 m=50 s=25
